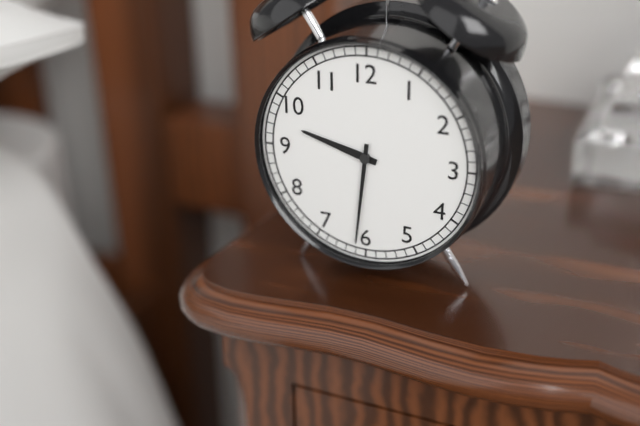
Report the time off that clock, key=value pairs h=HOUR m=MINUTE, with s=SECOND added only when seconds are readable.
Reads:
h=9 m=31
